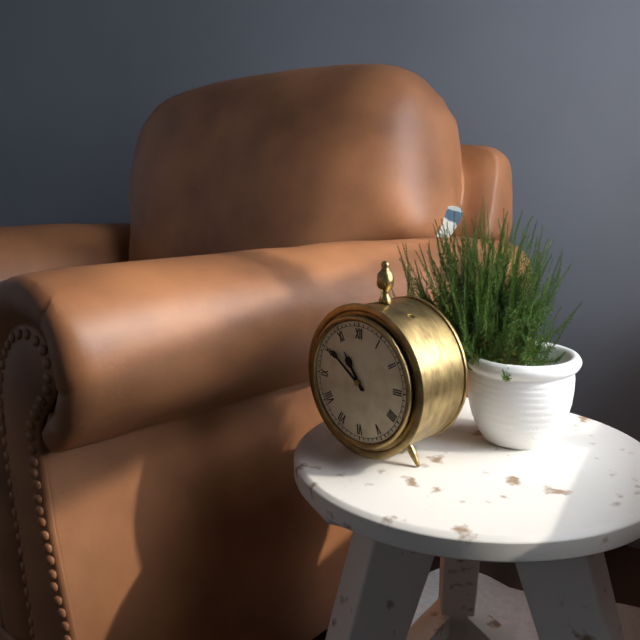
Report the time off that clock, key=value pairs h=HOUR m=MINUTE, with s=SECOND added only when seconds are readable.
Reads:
h=10 m=51
